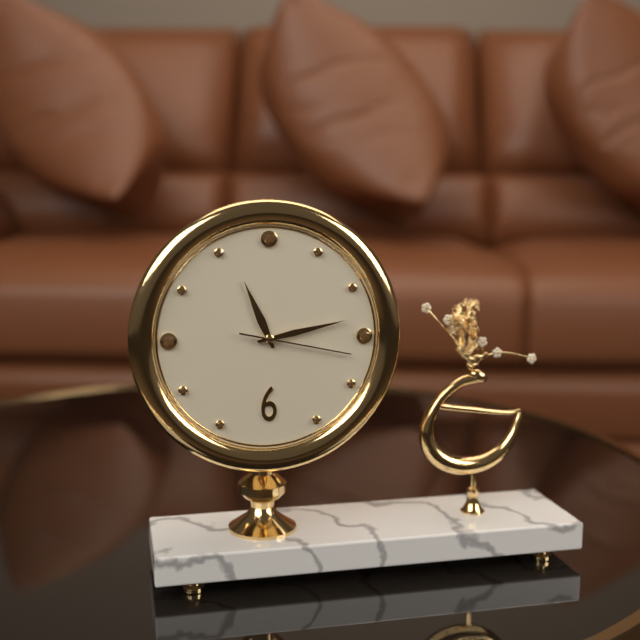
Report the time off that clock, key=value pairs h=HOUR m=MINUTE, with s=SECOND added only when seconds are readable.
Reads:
h=11 m=13 s=17
